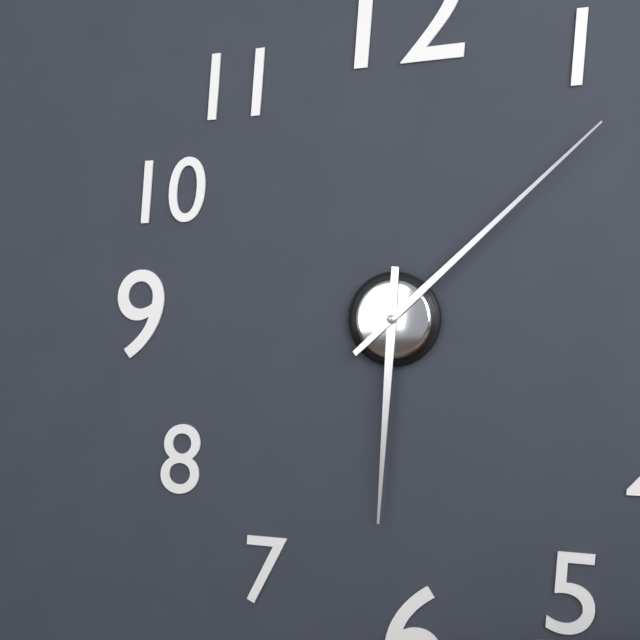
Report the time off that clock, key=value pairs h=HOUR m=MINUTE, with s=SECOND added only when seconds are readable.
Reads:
h=6 m=8
